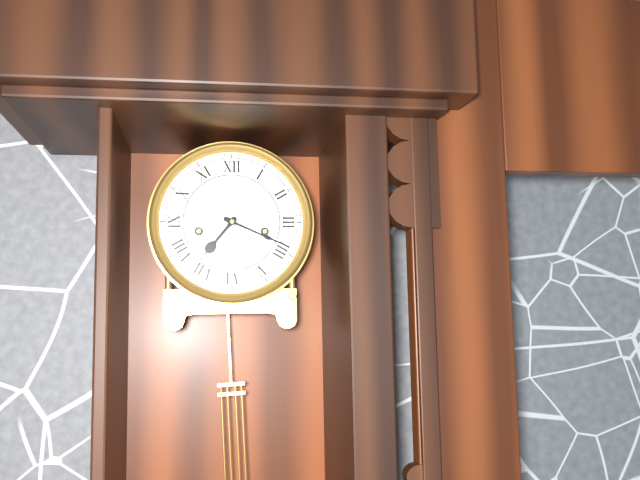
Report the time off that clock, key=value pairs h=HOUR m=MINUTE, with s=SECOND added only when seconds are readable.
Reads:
h=7 m=19
